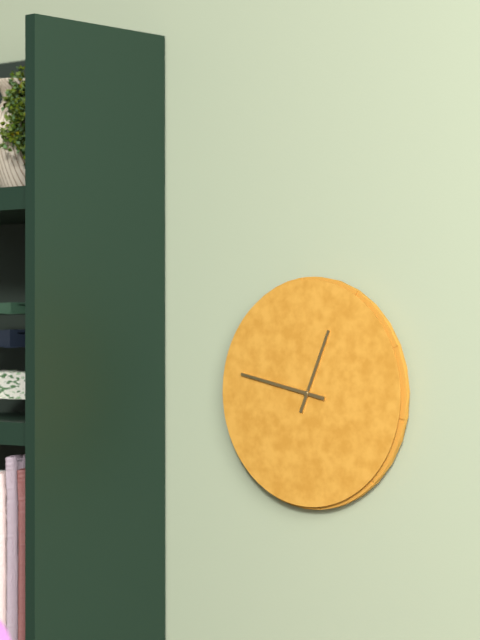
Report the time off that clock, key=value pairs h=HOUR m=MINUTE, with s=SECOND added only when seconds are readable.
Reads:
h=12 m=47
